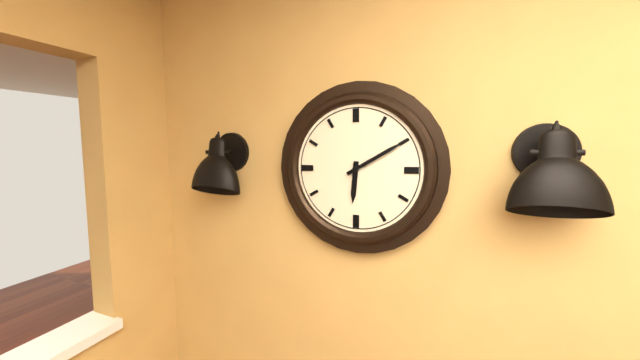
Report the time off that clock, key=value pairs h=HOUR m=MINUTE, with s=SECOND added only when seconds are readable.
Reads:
h=6 m=10
